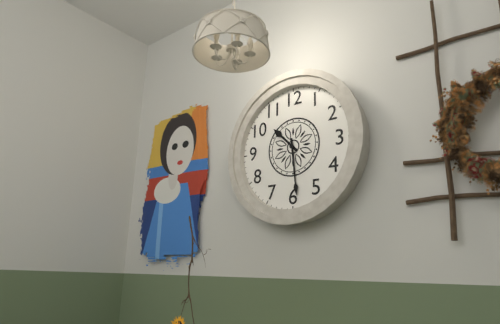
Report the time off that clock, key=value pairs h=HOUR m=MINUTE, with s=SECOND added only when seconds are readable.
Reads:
h=10 m=29
